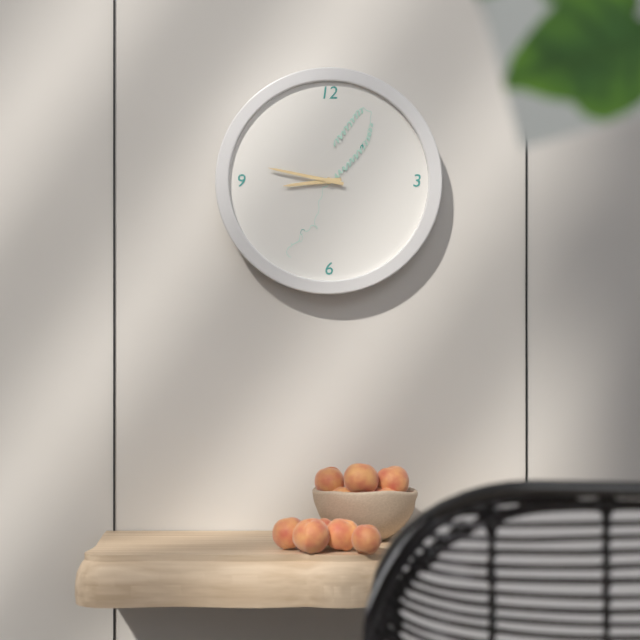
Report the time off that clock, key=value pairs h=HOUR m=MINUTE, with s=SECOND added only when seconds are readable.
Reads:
h=8 m=47
